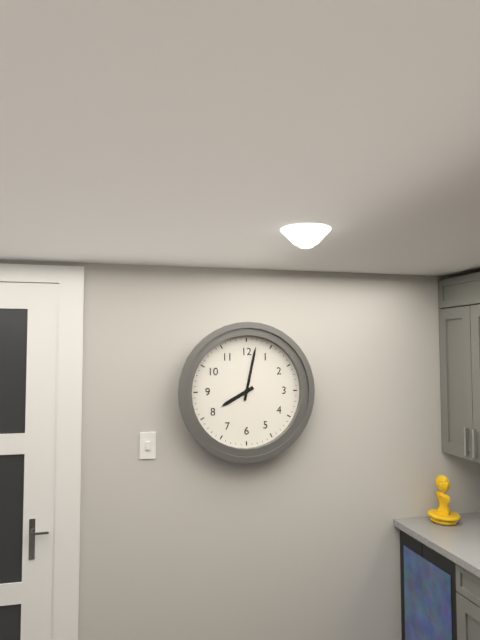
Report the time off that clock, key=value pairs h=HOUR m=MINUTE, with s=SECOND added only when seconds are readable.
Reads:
h=8 m=2
